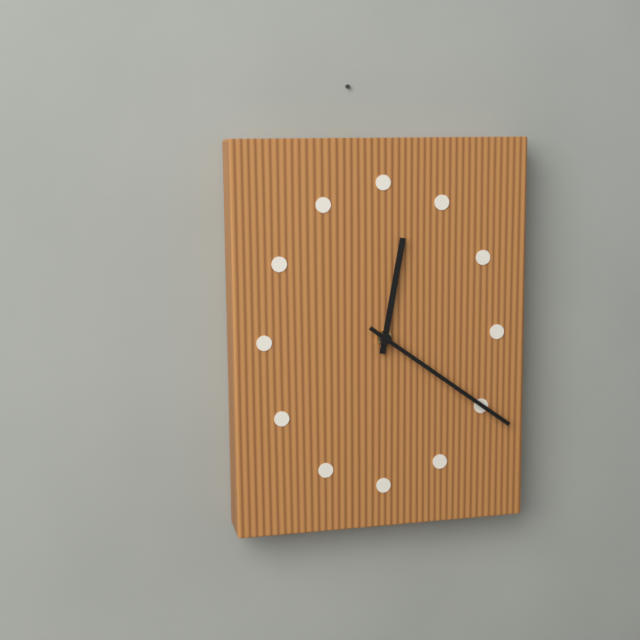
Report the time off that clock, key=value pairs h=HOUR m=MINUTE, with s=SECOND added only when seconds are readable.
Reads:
h=12 m=21
